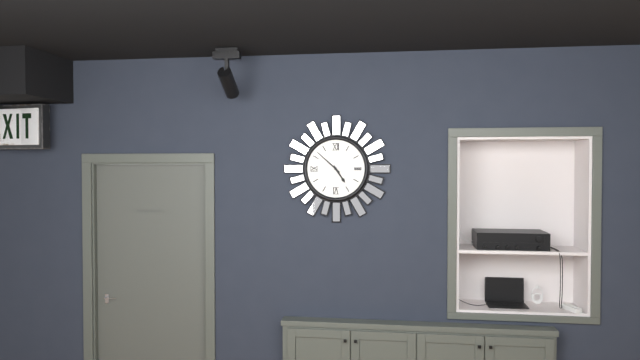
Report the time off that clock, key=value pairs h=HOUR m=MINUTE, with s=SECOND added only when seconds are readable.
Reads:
h=4 m=52
